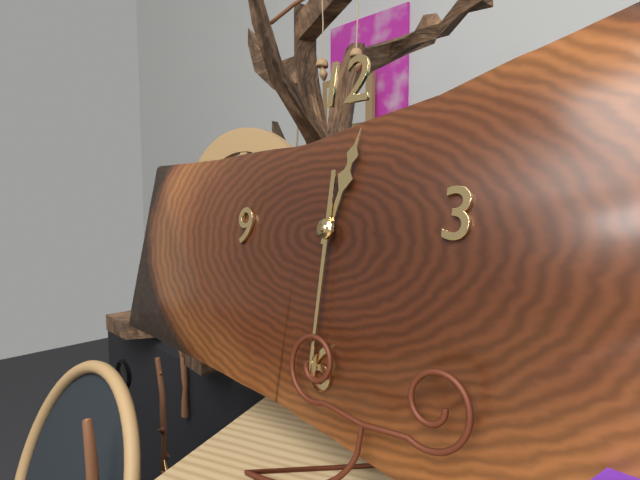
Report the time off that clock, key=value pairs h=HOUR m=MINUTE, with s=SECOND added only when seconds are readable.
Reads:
h=12 m=30
